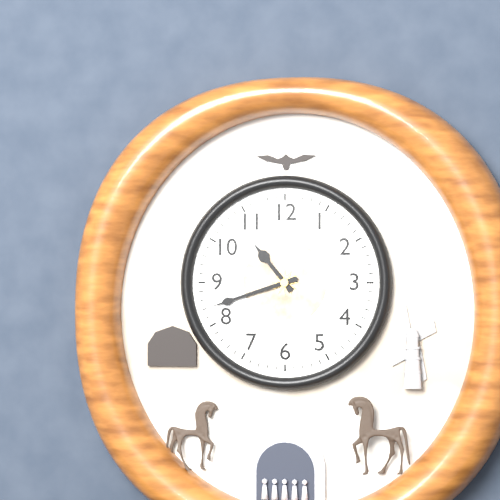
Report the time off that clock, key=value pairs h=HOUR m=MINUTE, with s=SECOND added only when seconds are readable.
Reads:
h=10 m=42
